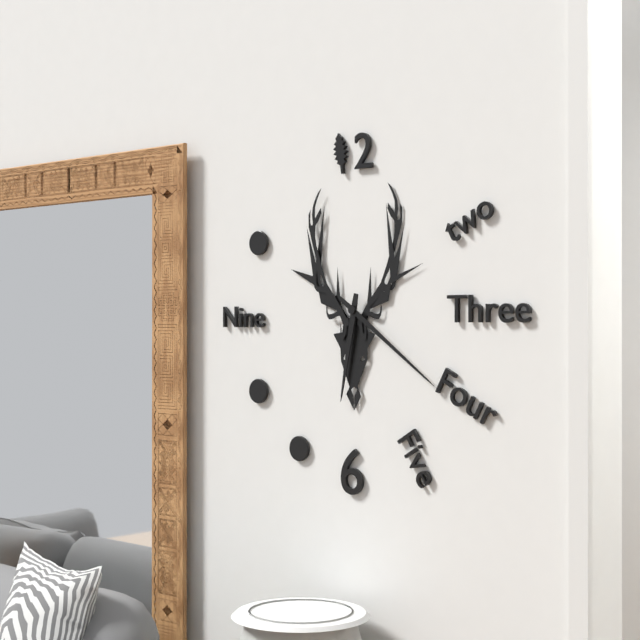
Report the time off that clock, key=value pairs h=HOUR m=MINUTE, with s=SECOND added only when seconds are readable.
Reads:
h=6 m=21
